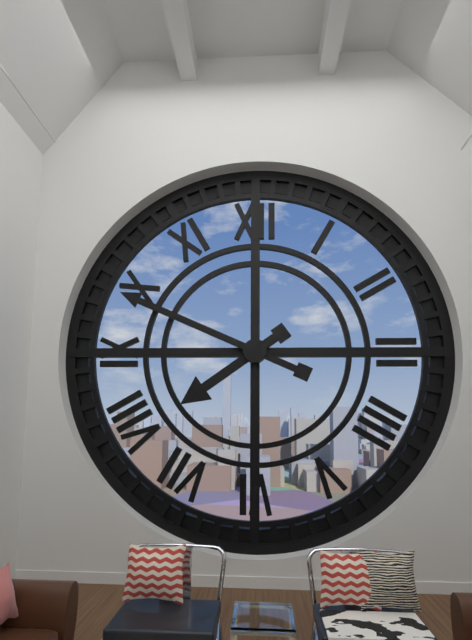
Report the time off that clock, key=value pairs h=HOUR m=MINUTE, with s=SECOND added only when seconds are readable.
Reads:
h=7 m=49
